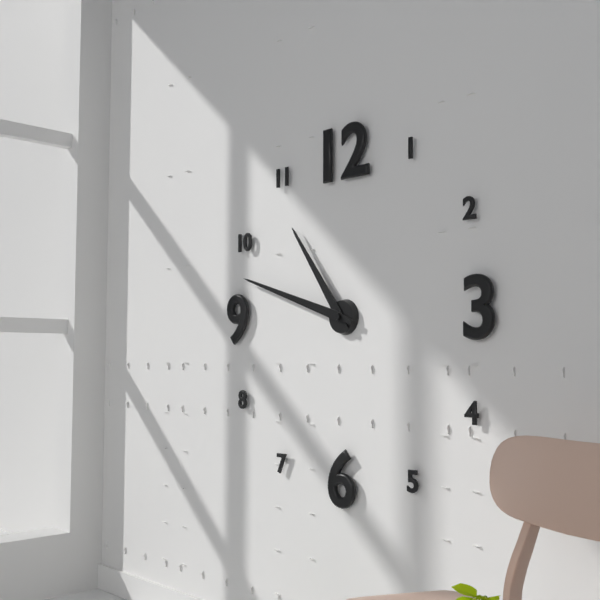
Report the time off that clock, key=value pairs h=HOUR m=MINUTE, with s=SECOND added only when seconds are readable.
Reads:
h=10 m=48
